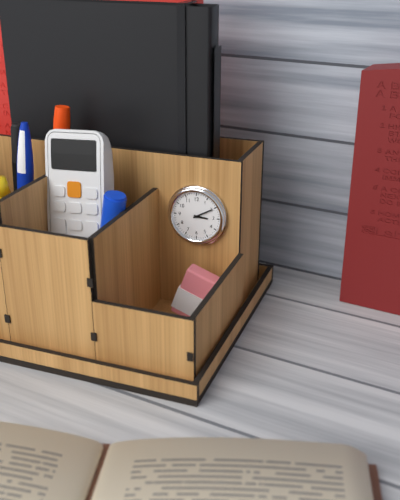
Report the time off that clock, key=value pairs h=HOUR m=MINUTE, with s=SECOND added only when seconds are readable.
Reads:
h=3 m=10
